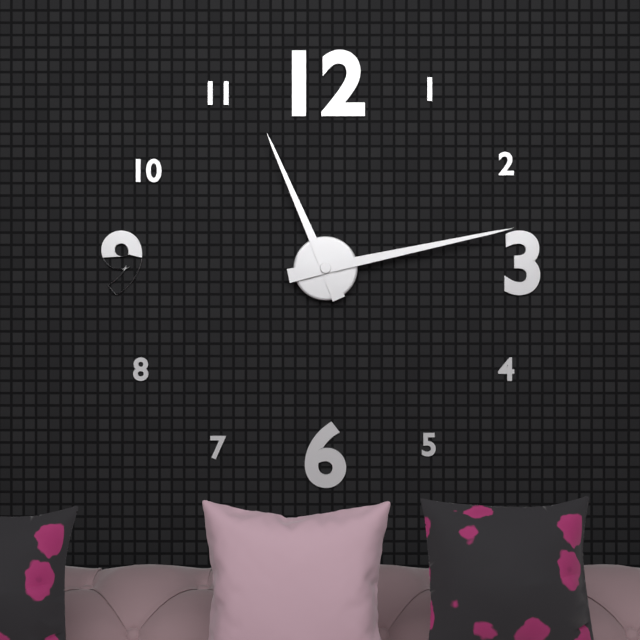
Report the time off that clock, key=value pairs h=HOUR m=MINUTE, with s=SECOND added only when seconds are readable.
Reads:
h=11 m=13
